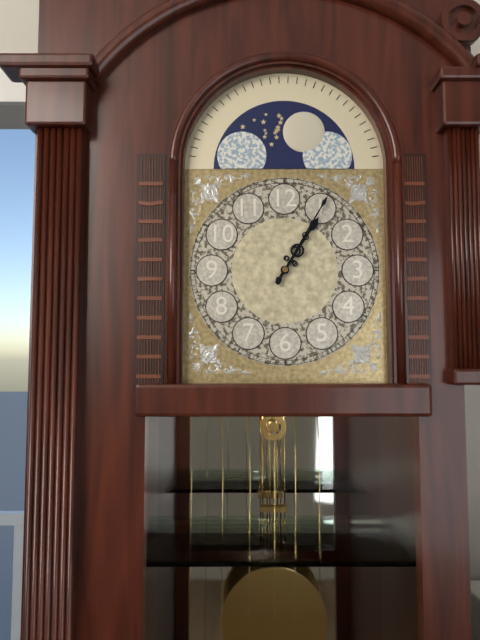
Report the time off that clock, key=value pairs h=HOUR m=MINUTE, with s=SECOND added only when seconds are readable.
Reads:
h=1 m=5
